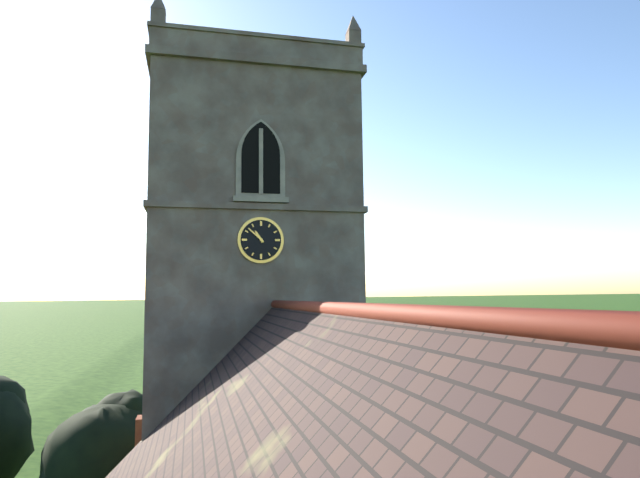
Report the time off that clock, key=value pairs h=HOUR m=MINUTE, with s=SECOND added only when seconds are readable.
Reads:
h=10 m=52
